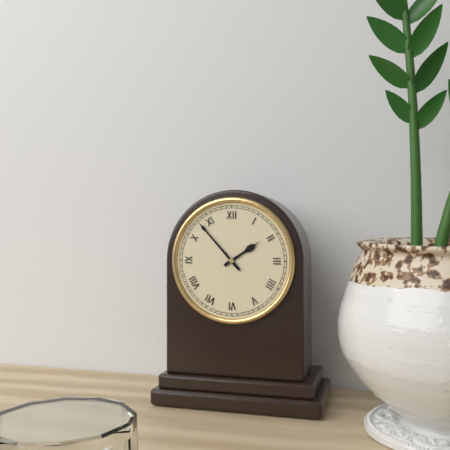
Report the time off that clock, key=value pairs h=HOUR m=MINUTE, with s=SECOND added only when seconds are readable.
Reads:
h=1 m=53
